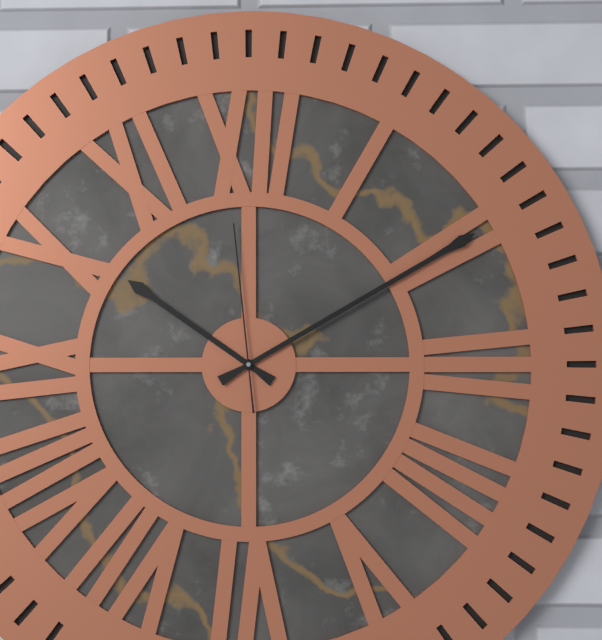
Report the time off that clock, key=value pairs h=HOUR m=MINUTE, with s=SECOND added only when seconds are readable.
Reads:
h=10 m=10 s=59
